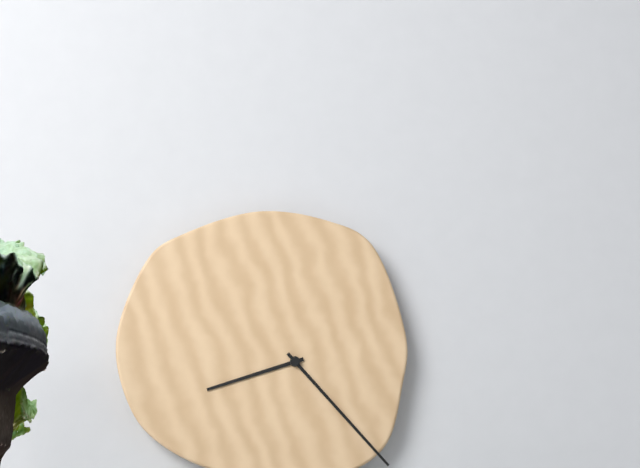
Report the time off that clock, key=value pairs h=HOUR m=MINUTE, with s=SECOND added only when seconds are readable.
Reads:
h=8 m=23
